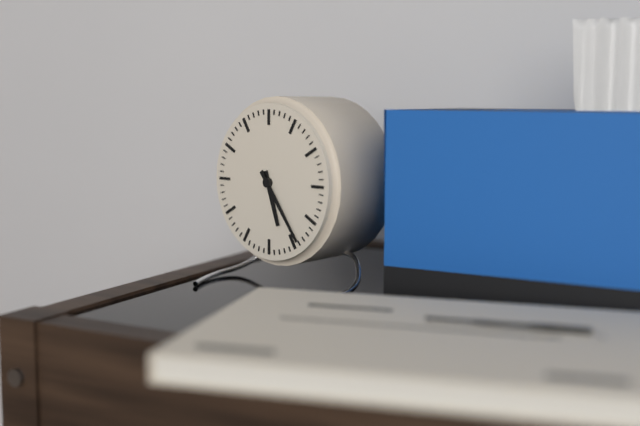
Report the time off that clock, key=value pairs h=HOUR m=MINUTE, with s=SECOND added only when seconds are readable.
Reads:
h=5 m=24
